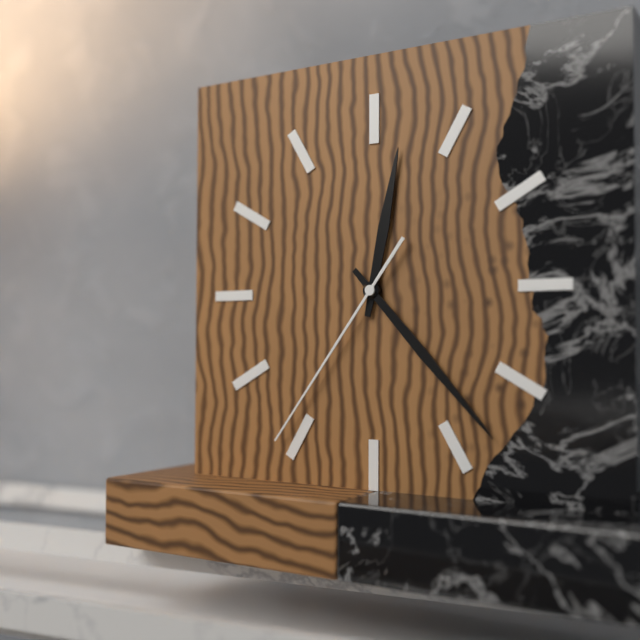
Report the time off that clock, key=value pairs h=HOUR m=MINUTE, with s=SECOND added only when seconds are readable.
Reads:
h=12 m=23 s=36
